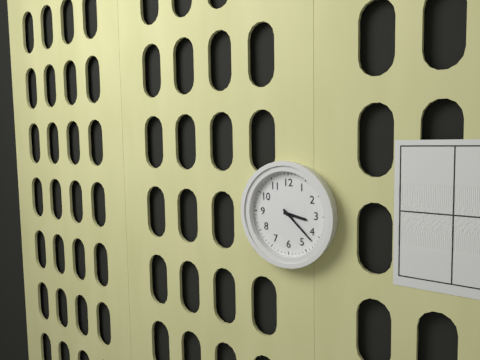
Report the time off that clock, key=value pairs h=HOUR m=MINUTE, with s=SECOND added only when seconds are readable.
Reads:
h=3 m=22
